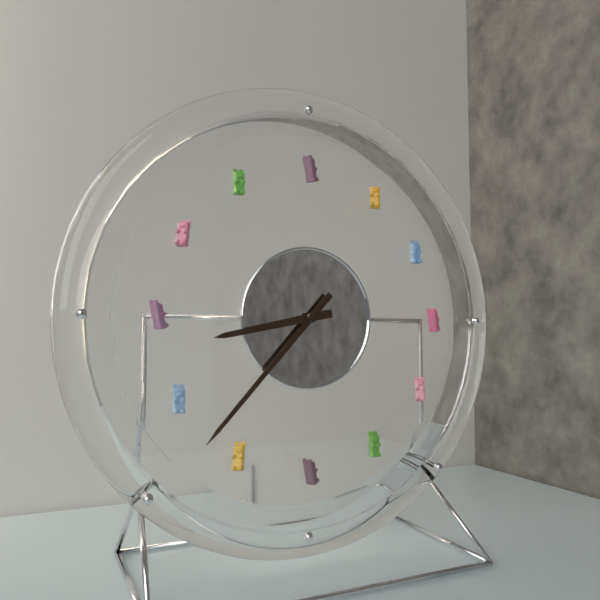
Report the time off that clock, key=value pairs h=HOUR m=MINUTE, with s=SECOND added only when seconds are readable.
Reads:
h=8 m=37
